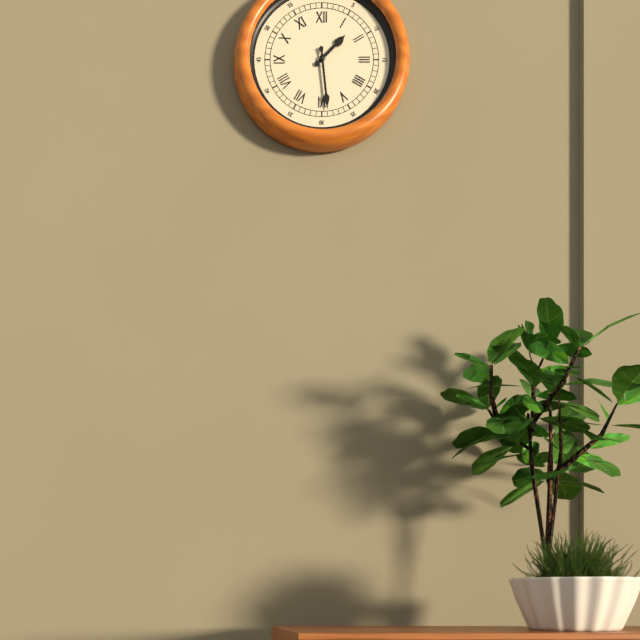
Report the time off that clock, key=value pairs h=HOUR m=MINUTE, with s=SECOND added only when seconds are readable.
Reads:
h=1 m=29
